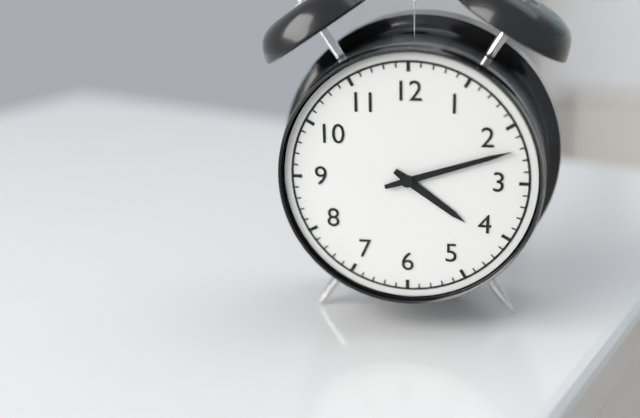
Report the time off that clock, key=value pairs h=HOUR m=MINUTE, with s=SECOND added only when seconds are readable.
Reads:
h=4 m=12
